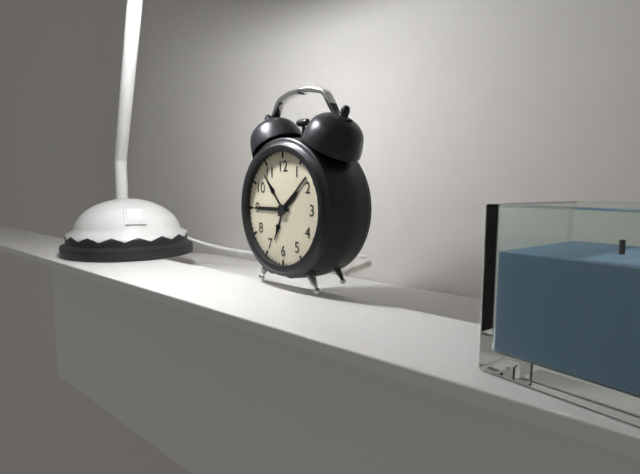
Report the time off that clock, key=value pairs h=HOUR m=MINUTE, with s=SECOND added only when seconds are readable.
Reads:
h=1 m=45
